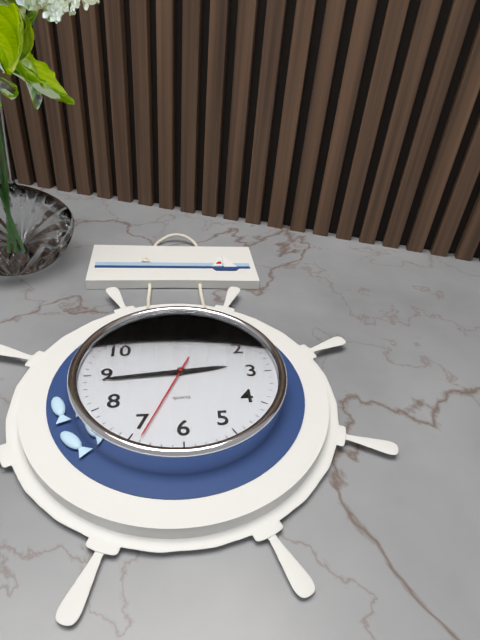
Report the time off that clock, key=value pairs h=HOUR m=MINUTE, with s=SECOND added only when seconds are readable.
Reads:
h=2 m=44 s=34
